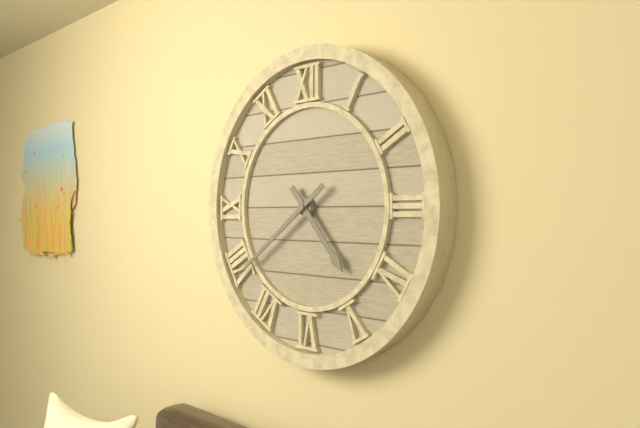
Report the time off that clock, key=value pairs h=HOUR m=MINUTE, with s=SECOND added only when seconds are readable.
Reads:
h=4 m=39
